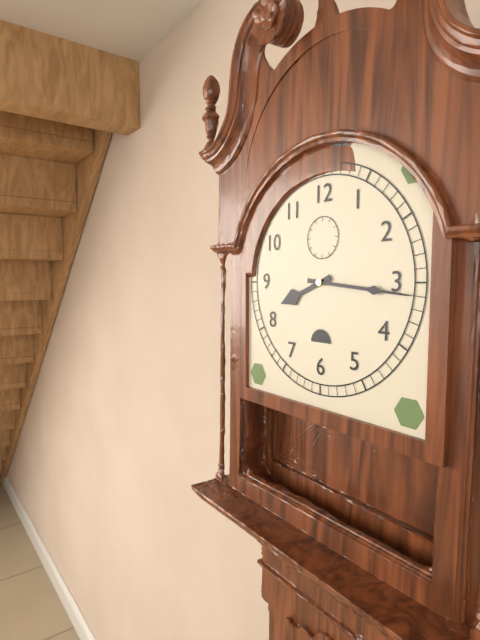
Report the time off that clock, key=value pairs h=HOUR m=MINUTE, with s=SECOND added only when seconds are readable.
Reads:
h=8 m=16
